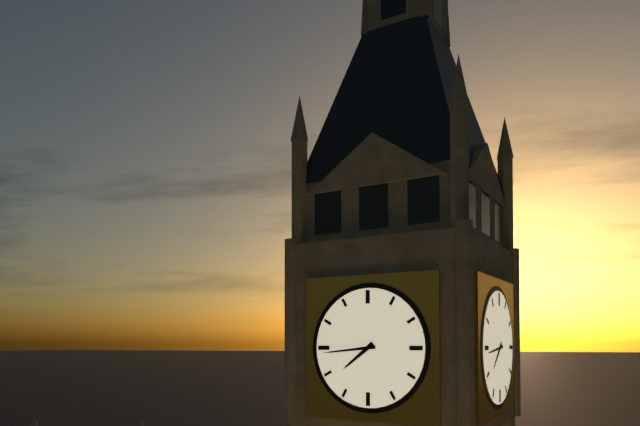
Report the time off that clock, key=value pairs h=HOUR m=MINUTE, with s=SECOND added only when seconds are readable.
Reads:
h=7 m=44
